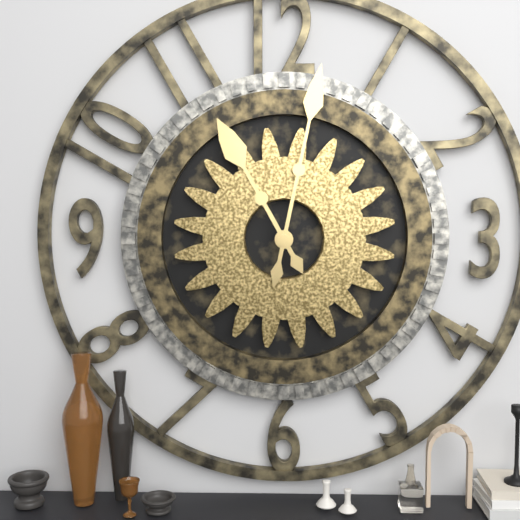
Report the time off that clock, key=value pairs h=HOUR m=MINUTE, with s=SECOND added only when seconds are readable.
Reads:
h=11 m=2
